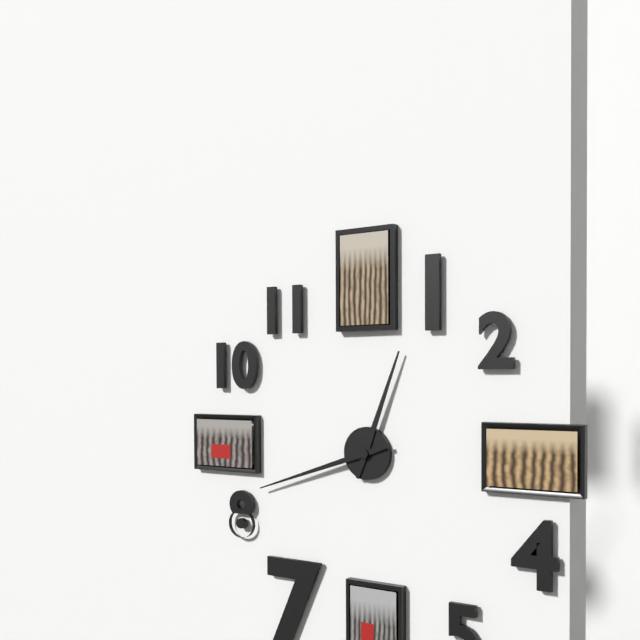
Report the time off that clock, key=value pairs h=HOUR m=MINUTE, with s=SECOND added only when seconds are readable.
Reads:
h=12 m=42
